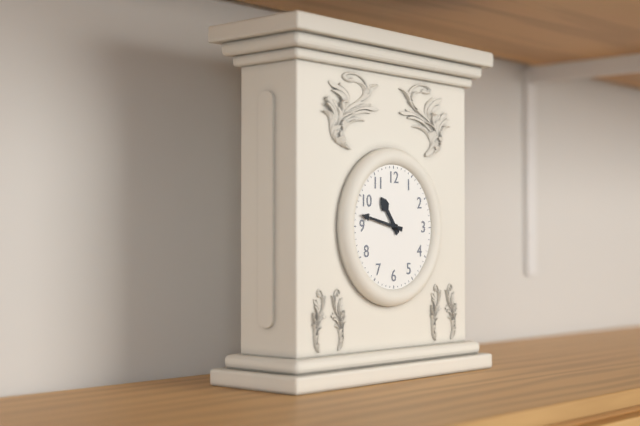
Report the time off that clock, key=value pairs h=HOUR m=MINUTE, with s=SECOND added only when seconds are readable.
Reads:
h=10 m=47
